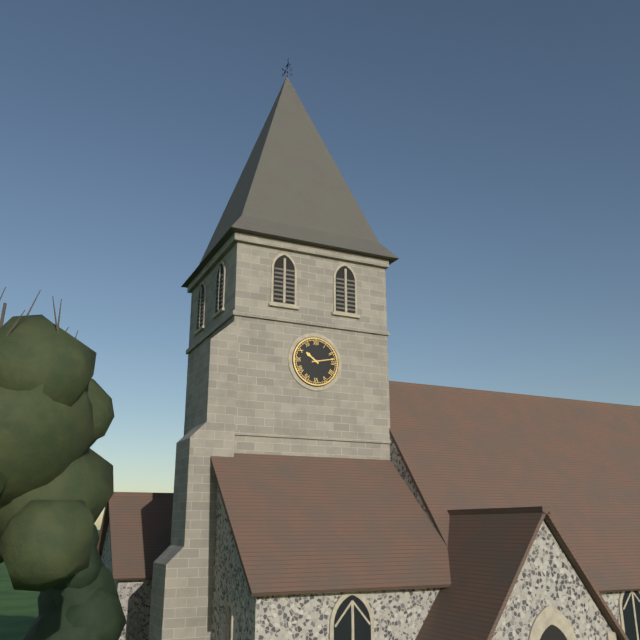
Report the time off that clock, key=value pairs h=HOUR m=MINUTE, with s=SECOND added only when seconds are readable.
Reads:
h=10 m=13
